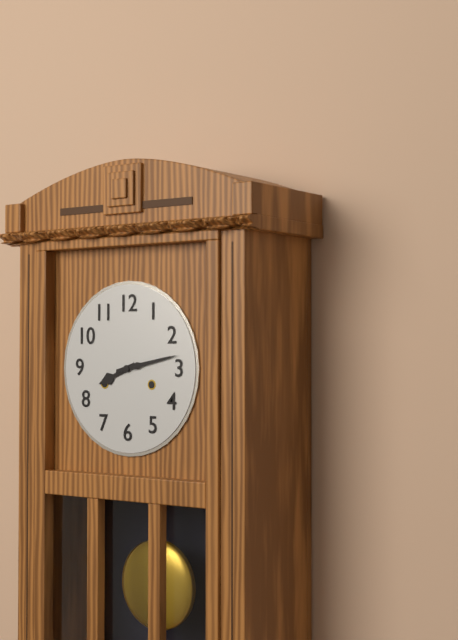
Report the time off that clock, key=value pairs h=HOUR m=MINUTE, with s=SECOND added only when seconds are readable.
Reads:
h=8 m=13
